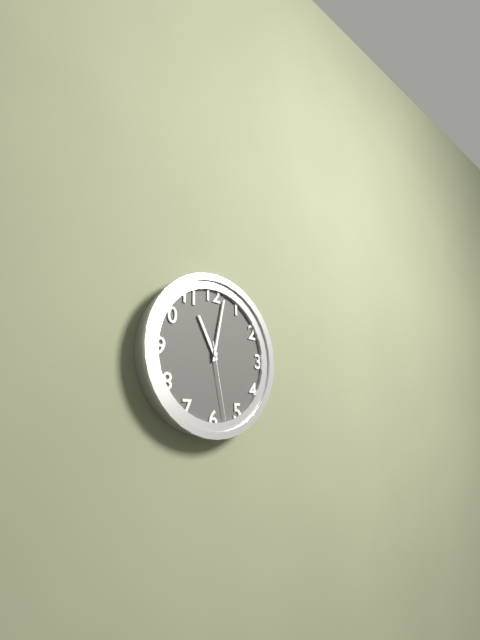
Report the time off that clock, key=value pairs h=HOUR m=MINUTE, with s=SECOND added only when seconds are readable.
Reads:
h=11 m=2 s=28
